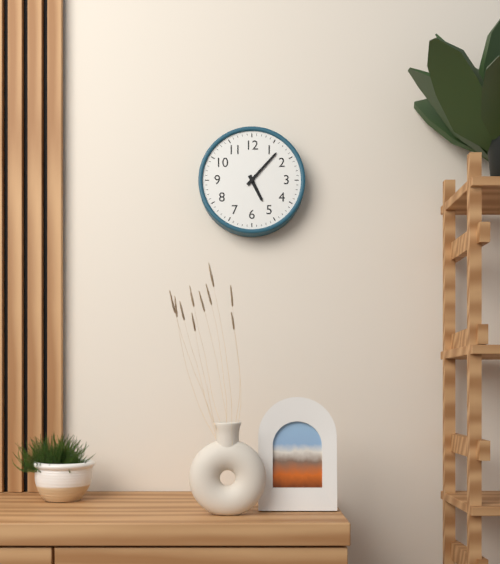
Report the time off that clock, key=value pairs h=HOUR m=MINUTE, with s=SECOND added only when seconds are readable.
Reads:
h=5 m=7
